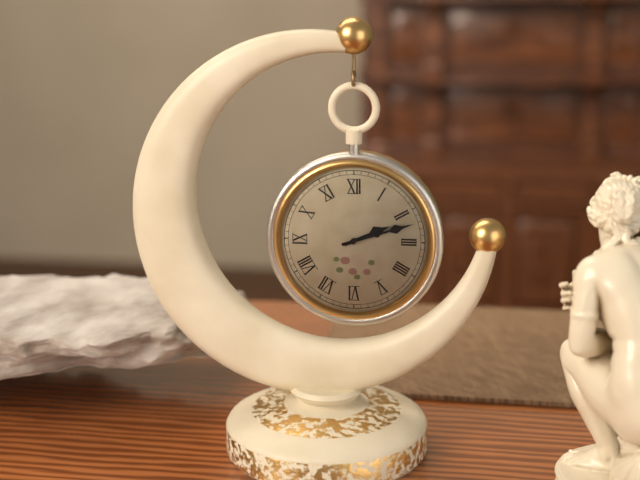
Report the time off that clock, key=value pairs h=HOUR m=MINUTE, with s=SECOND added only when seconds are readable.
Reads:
h=2 m=12
